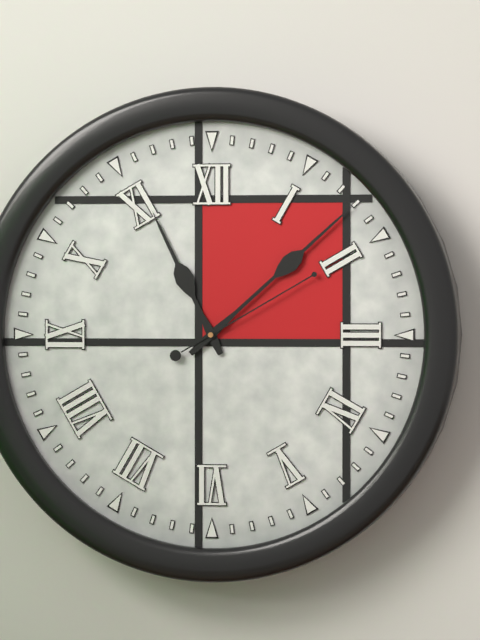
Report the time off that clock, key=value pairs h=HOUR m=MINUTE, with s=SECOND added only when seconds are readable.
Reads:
h=11 m=8 s=10
